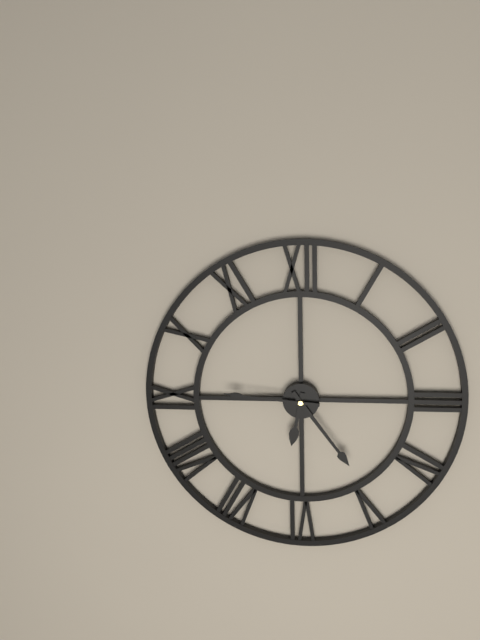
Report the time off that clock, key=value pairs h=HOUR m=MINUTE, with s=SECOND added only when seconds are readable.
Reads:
h=6 m=24 s=46
